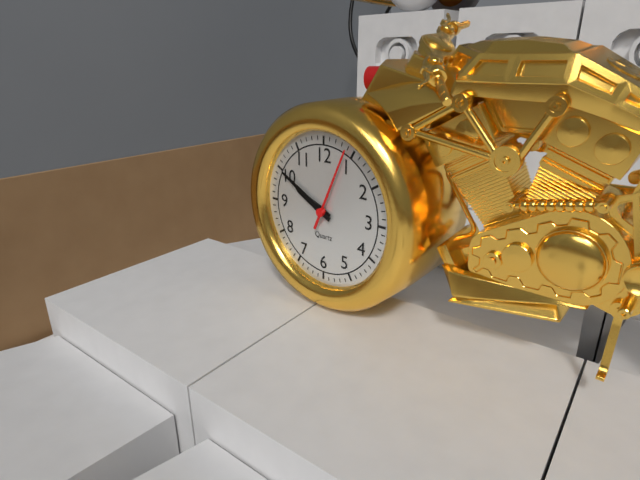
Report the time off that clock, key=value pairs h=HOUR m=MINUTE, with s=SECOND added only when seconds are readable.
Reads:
h=9 m=50 s=4
